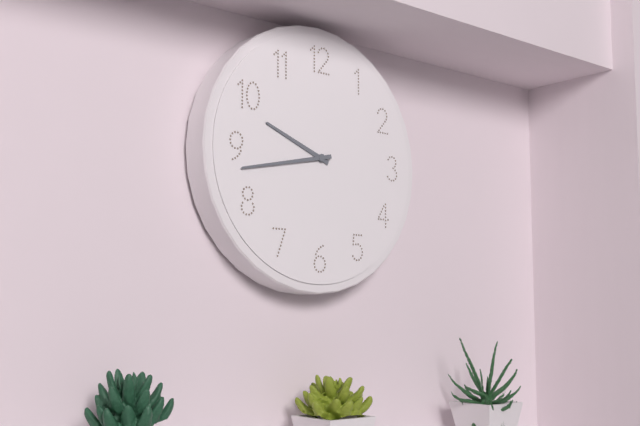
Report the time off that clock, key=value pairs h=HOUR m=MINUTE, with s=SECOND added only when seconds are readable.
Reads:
h=9 m=43
